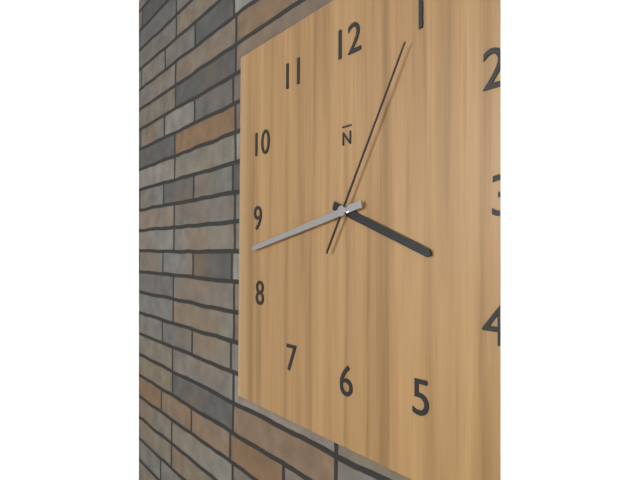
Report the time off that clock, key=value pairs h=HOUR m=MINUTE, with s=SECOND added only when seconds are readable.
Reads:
h=3 m=43 s=5
